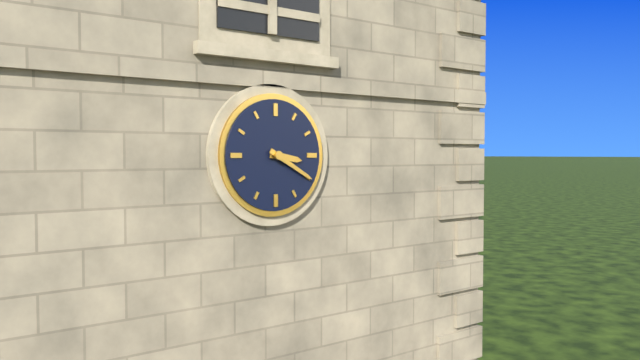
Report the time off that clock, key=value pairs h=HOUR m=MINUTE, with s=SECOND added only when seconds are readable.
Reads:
h=3 m=20
